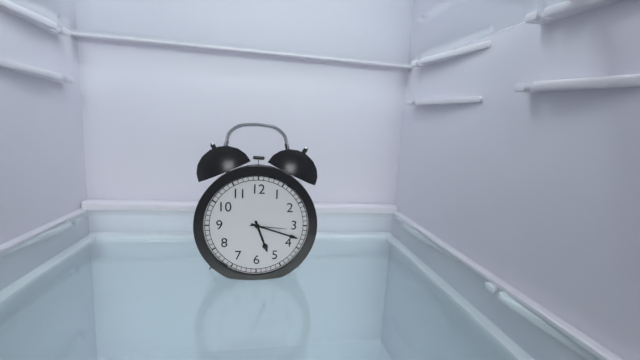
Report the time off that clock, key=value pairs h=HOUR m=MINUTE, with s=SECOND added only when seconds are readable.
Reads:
h=5 m=18
